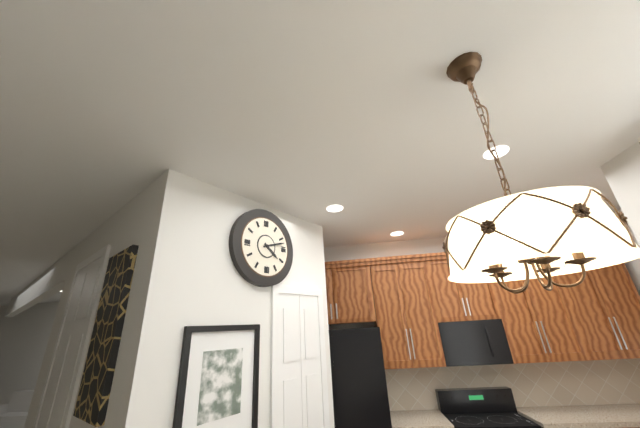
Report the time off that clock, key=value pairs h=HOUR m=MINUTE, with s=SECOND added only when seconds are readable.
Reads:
h=4 m=12
